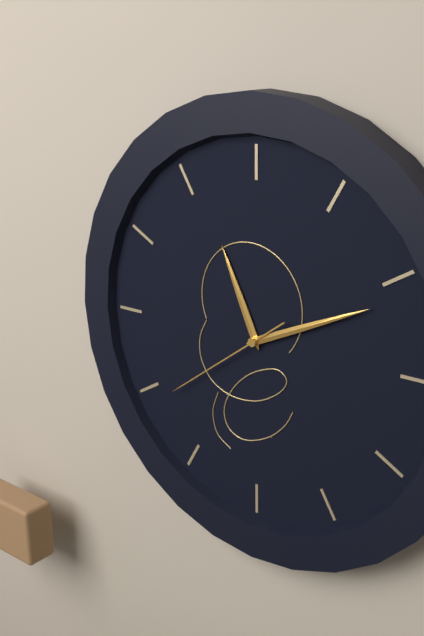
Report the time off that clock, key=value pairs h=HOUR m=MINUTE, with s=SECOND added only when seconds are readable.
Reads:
h=11 m=11 s=39
